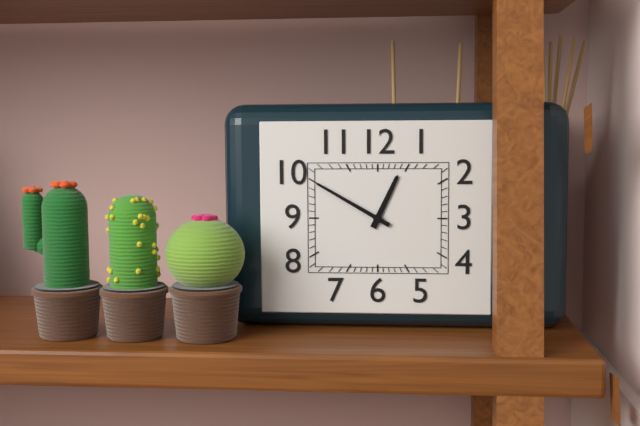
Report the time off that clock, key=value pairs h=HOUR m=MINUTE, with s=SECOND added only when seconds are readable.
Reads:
h=12 m=50
